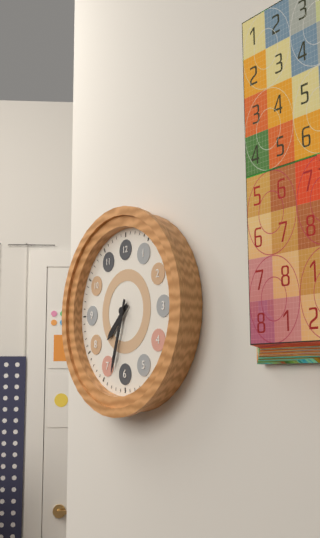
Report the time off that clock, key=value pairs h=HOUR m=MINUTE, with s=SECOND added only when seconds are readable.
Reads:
h=7 m=33
